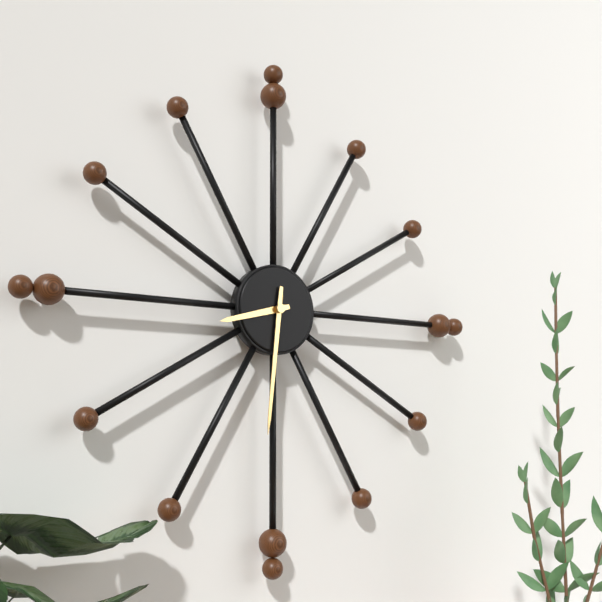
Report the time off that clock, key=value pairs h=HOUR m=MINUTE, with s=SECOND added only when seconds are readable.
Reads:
h=8 m=31
